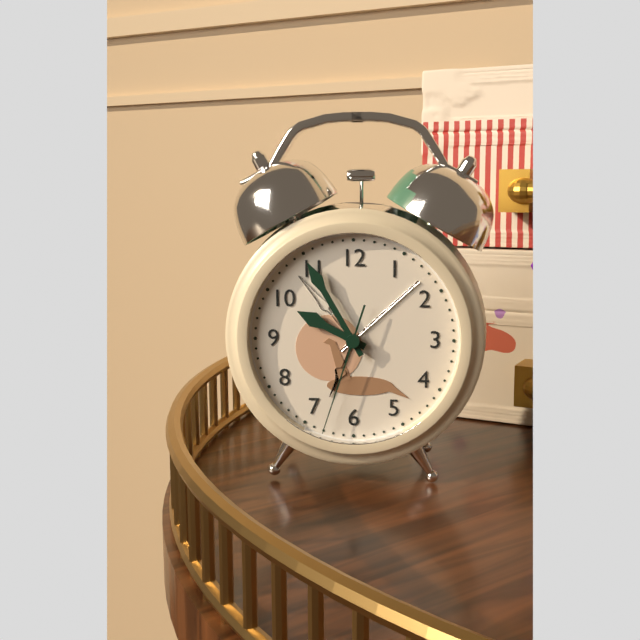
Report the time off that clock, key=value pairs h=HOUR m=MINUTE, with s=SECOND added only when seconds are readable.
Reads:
h=9 m=55 s=33
